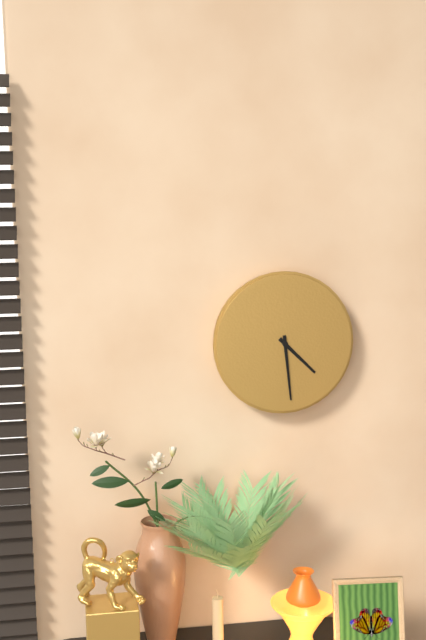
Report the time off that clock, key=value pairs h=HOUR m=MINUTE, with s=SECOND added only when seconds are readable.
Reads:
h=4 m=29
